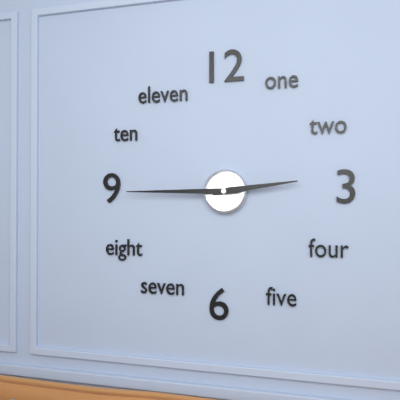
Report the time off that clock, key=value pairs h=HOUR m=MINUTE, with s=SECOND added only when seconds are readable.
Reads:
h=2 m=45
